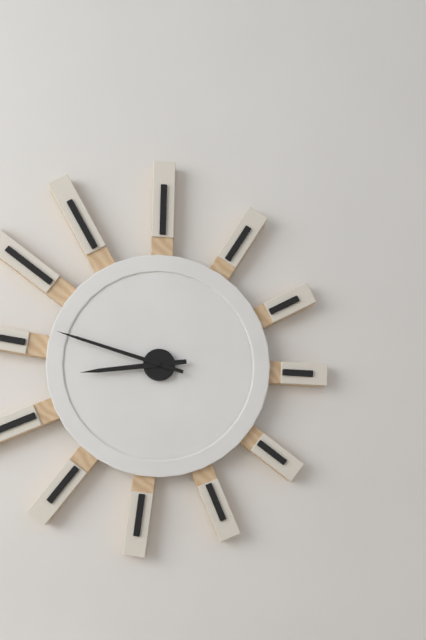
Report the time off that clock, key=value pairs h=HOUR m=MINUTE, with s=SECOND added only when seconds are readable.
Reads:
h=8 m=48
